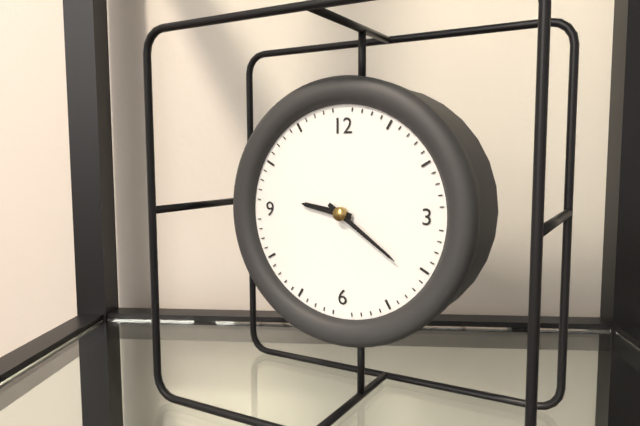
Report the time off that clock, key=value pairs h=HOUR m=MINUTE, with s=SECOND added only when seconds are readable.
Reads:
h=9 m=21
